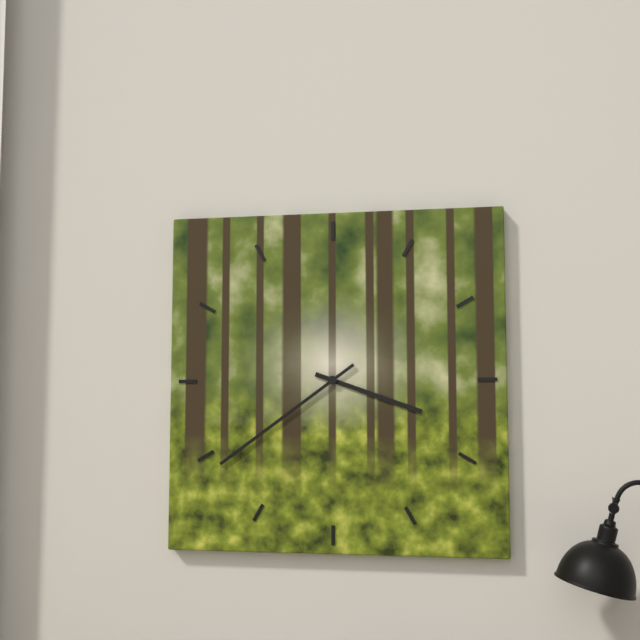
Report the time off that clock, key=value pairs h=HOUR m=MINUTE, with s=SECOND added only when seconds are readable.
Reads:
h=3 m=39
